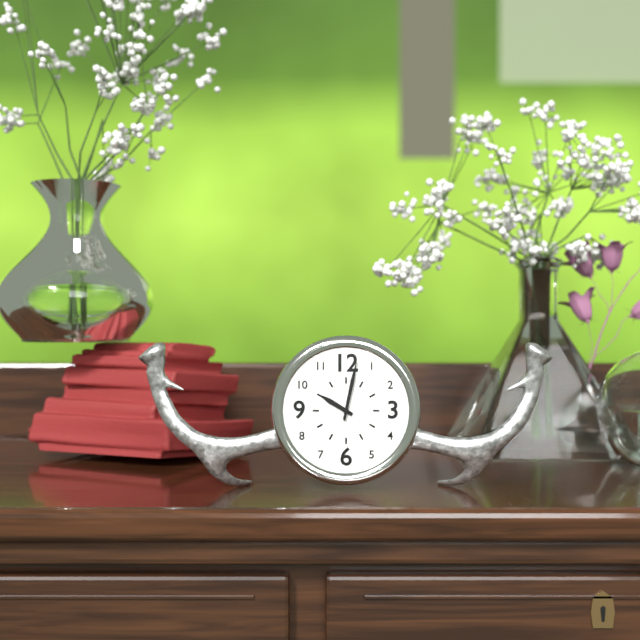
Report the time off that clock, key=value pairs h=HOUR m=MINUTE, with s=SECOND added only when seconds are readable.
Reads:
h=10 m=2
